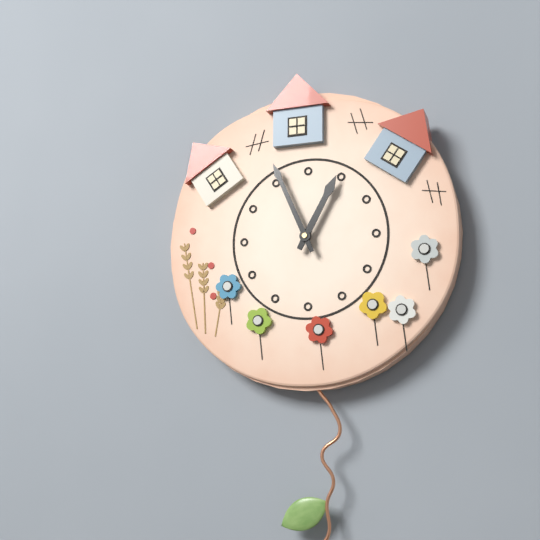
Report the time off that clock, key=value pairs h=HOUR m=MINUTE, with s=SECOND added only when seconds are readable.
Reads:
h=12 m=56
